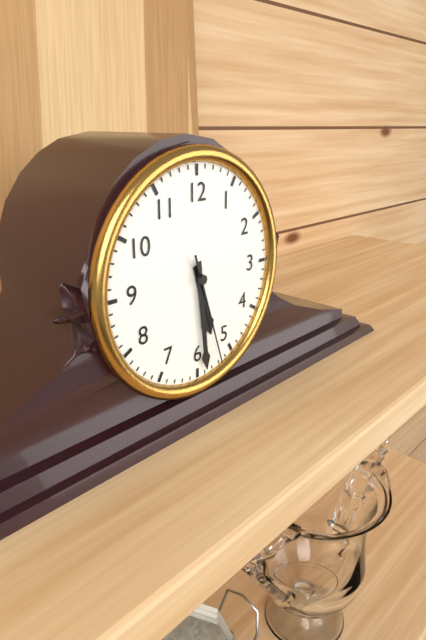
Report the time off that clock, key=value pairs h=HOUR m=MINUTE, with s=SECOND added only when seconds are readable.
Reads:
h=5 m=29 s=27
